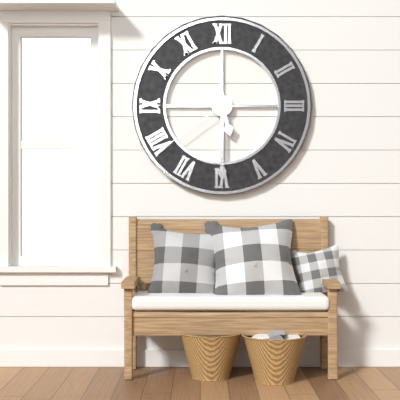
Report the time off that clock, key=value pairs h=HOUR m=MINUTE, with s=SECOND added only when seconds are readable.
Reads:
h=5 m=30 s=39
